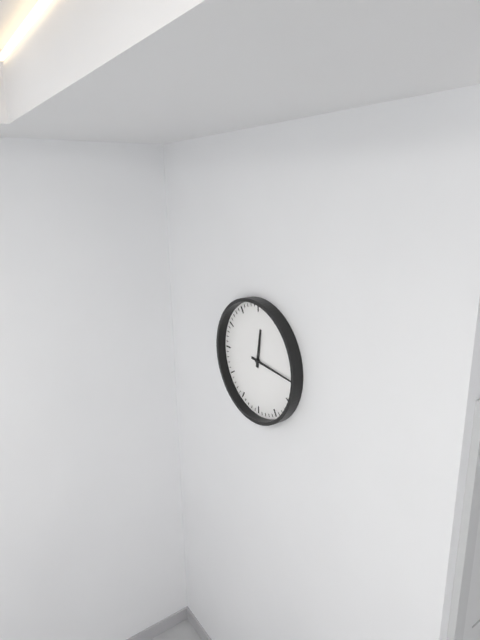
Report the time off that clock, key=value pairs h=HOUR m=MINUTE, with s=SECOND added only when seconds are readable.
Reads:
h=12 m=16
